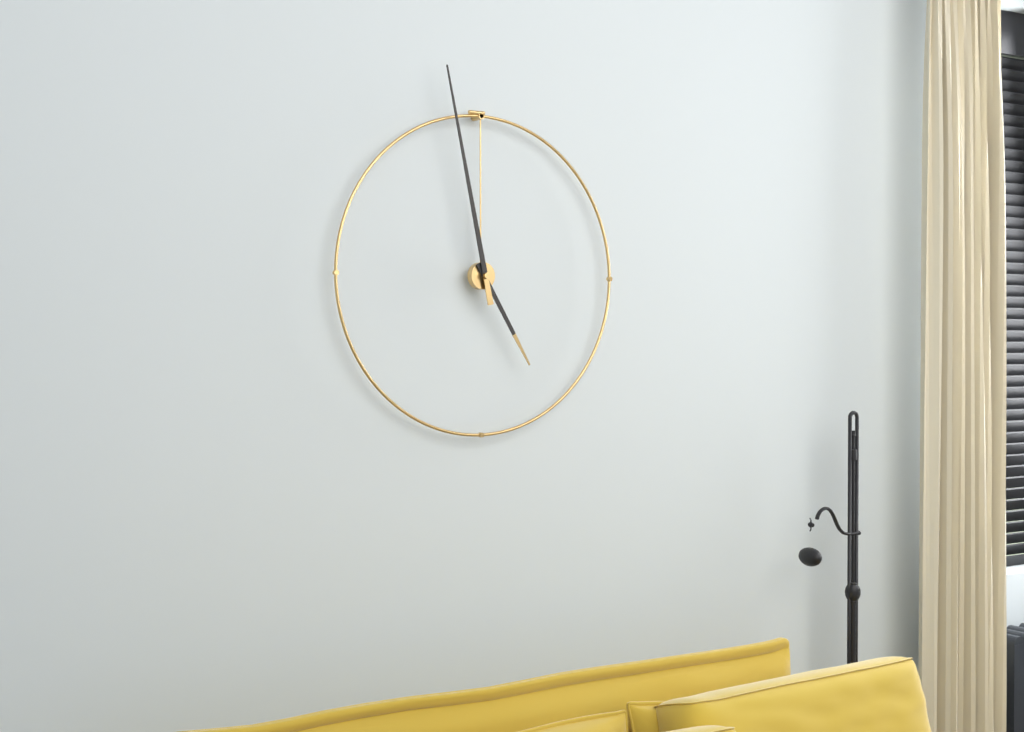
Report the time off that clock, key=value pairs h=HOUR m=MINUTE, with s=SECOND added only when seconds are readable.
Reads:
h=4 m=58
